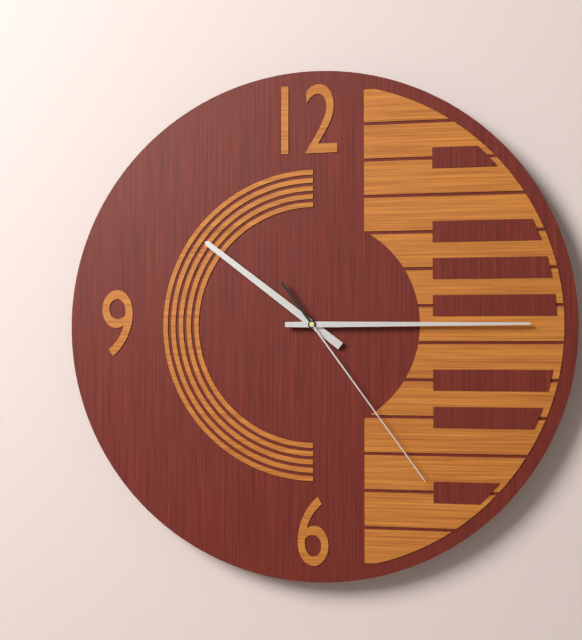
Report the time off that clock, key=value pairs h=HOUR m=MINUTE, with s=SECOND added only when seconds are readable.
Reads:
h=10 m=15 s=24
